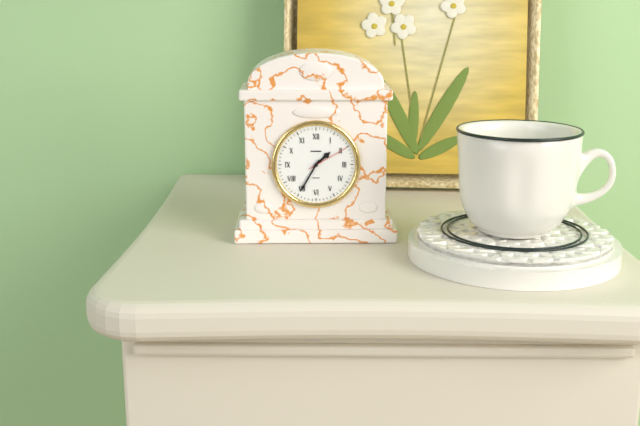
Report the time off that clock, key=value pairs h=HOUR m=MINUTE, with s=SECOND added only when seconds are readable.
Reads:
h=1 m=35
